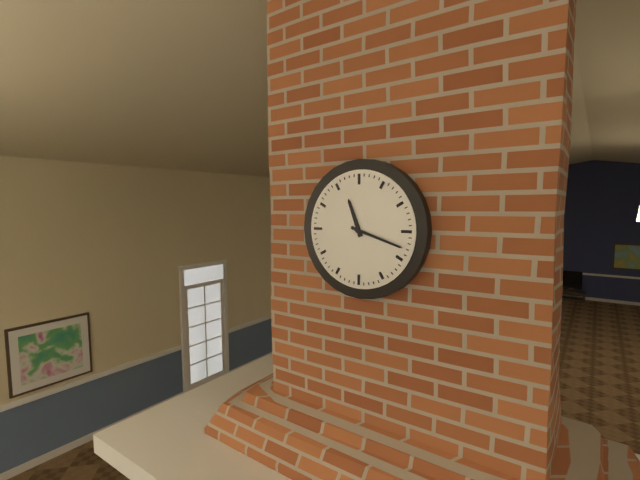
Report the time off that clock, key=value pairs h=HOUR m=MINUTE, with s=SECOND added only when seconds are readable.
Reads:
h=11 m=18
